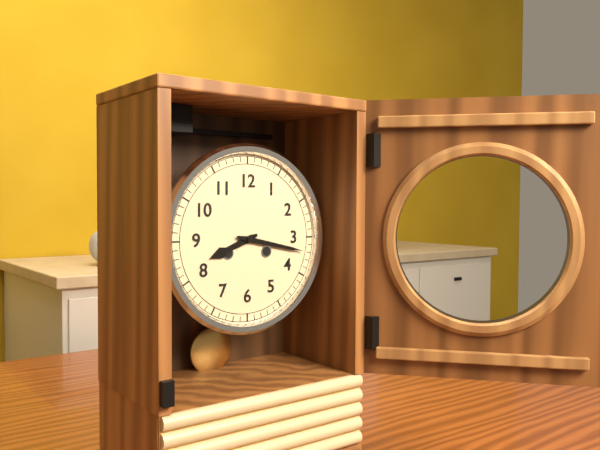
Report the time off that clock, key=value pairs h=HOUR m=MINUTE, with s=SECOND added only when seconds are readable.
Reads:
h=8 m=17
